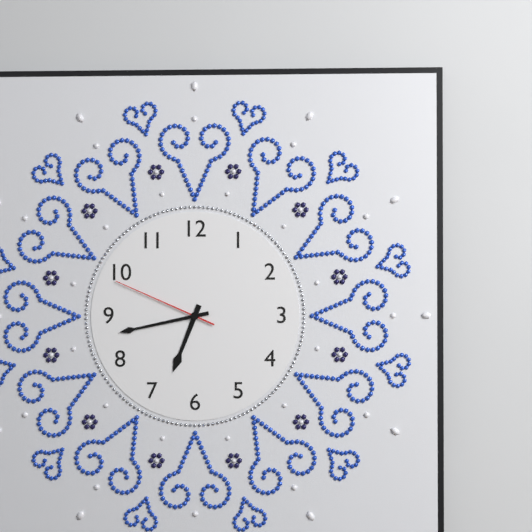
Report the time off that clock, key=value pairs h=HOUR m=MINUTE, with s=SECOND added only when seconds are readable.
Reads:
h=6 m=43 s=49
